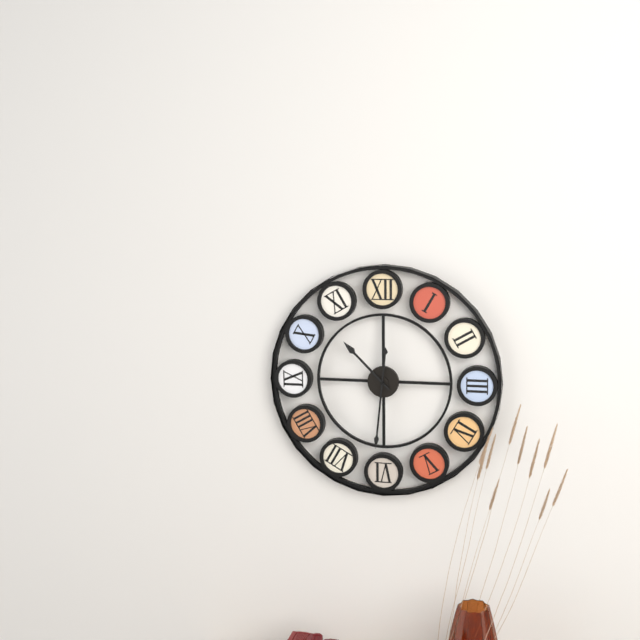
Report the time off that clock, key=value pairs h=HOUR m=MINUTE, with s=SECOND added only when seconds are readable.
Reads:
h=10 m=31
